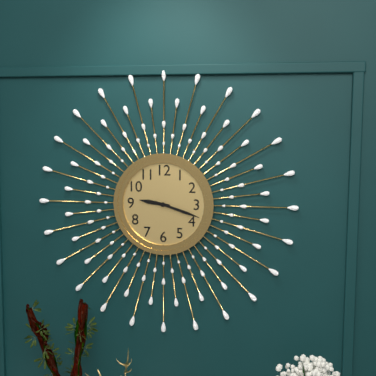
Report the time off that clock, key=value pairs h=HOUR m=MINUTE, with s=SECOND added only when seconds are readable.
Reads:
h=9 m=18
